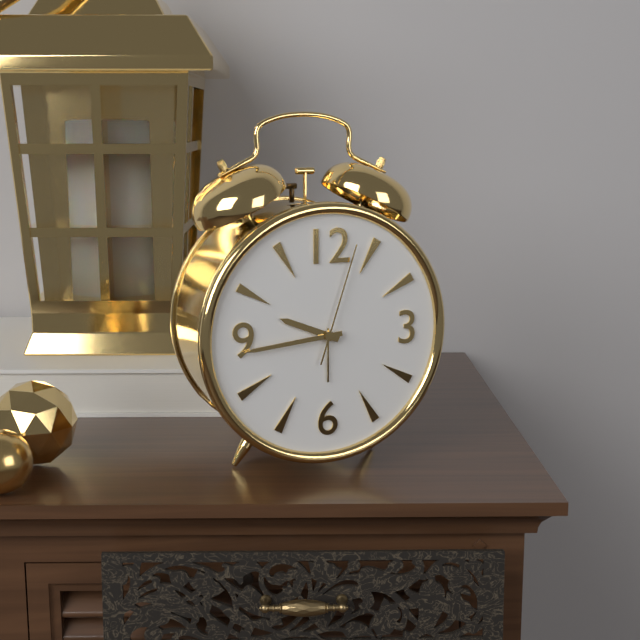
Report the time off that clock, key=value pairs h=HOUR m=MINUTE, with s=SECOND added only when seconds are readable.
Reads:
h=9 m=44 s=3
